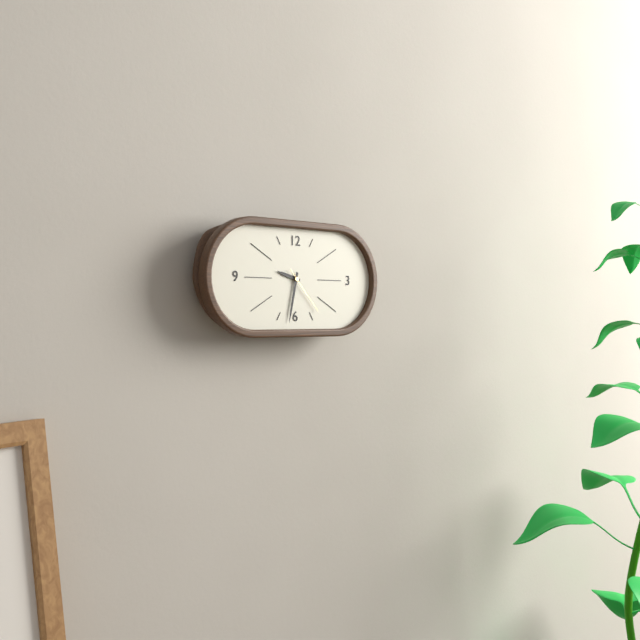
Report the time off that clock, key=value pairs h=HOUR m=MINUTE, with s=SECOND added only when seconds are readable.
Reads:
h=9 m=32
